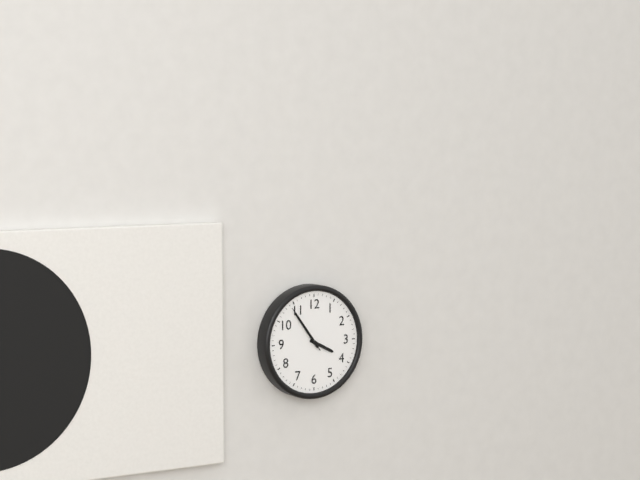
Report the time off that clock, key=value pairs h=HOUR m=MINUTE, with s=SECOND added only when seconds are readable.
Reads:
h=3 m=54 s=54
